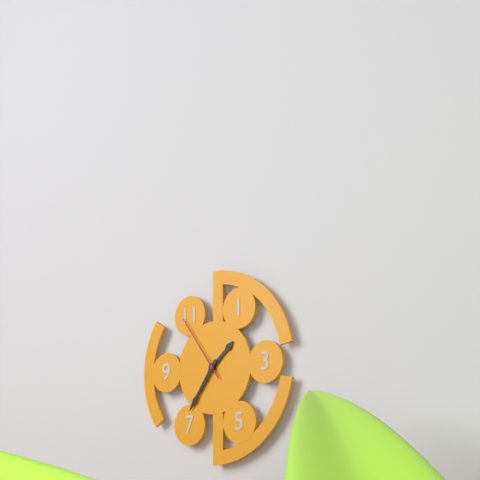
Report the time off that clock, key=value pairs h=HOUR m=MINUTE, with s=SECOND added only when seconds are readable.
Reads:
h=1 m=36 s=54
